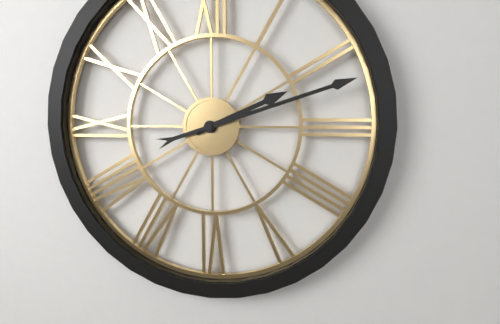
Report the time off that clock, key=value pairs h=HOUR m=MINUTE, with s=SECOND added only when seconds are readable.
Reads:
h=2 m=12
